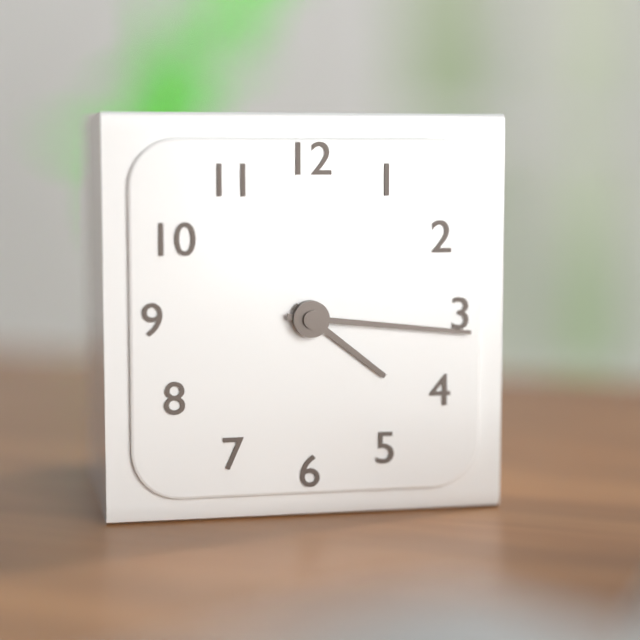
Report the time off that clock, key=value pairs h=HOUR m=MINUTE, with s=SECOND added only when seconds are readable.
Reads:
h=4 m=16
